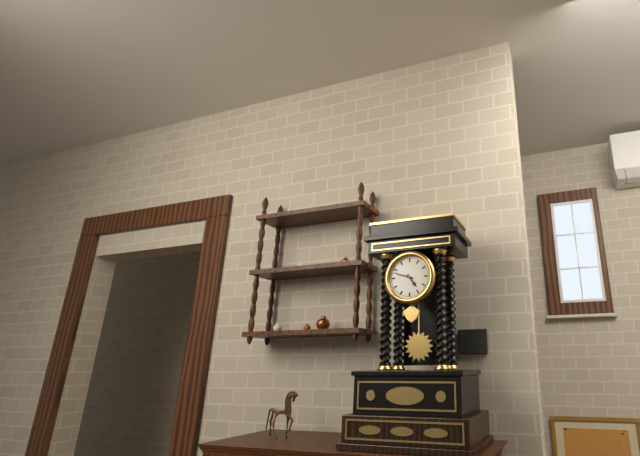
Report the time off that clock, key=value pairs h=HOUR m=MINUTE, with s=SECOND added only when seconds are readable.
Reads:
h=4 m=48
